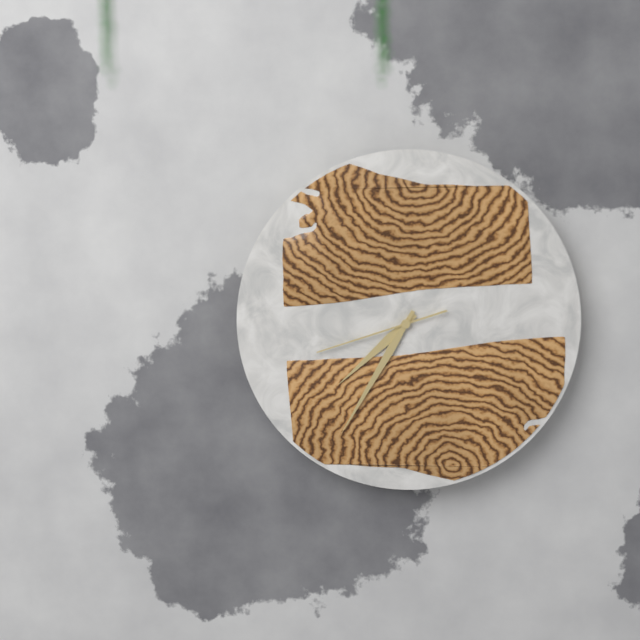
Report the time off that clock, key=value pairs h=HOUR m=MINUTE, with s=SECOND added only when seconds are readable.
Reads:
h=7 m=35 s=42
